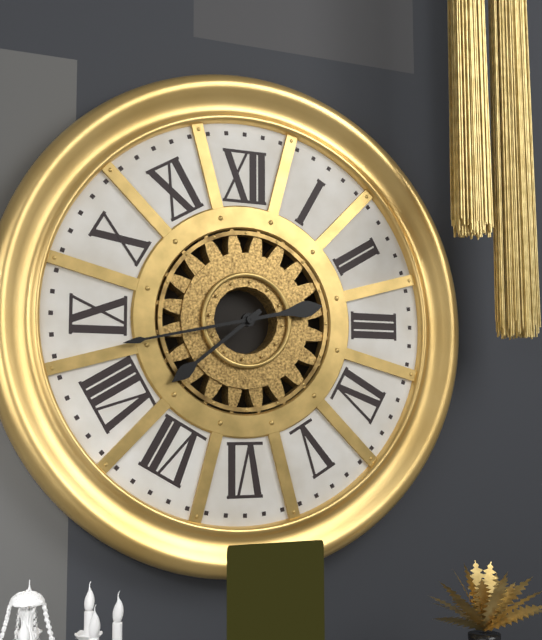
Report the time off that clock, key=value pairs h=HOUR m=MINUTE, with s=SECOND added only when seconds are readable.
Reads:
h=7 m=43
